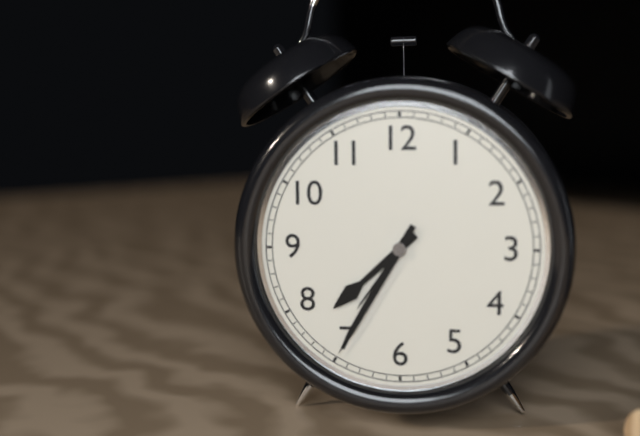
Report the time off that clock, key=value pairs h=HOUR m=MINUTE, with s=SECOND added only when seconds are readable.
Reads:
h=7 m=35
